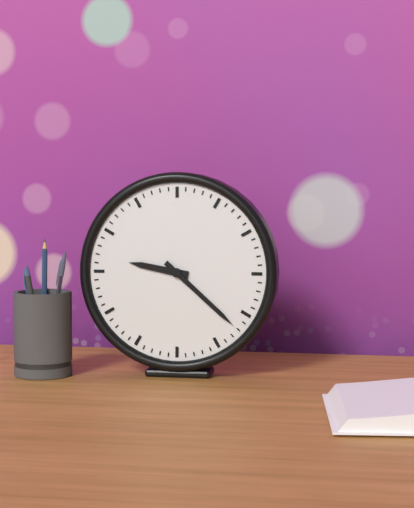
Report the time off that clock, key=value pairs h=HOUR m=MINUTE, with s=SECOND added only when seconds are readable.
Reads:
h=9 m=22
